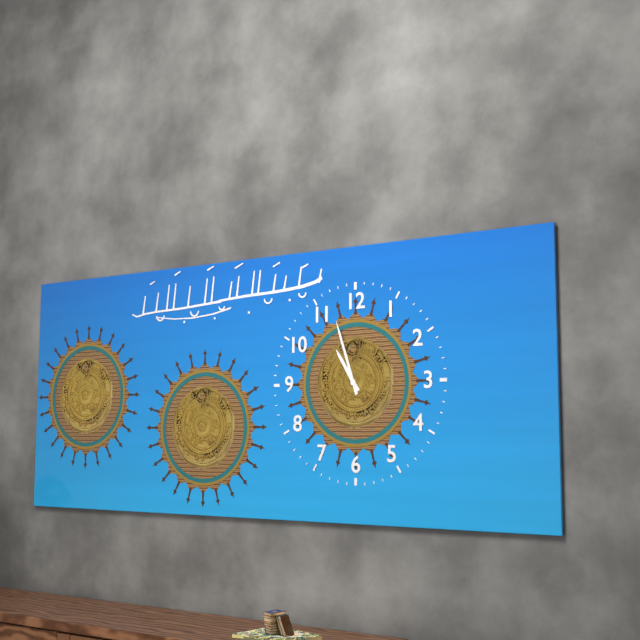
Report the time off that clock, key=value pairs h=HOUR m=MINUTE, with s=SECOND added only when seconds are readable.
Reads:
h=10 m=57
